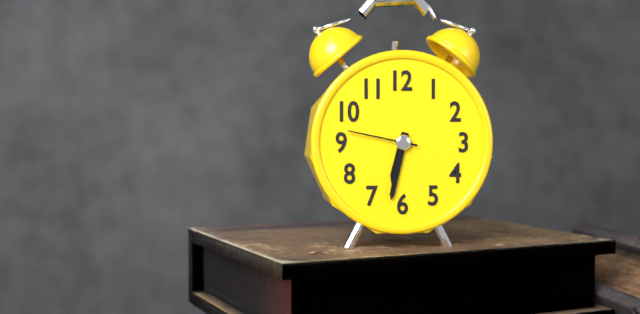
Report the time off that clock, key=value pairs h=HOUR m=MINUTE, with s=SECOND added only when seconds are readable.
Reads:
h=6 m=32 s=47
